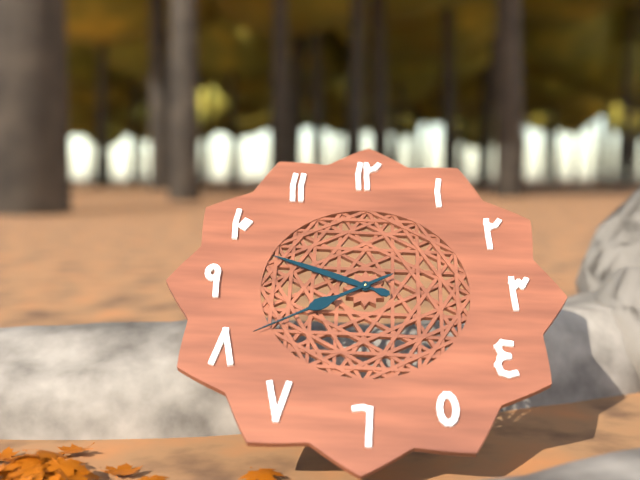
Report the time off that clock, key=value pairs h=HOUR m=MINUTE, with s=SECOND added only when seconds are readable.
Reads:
h=9 m=40
